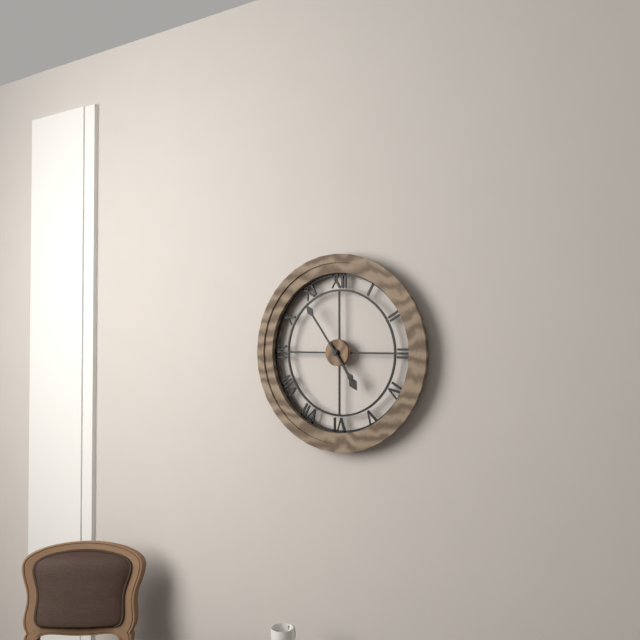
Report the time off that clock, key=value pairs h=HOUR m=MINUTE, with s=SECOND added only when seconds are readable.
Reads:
h=4 m=54
